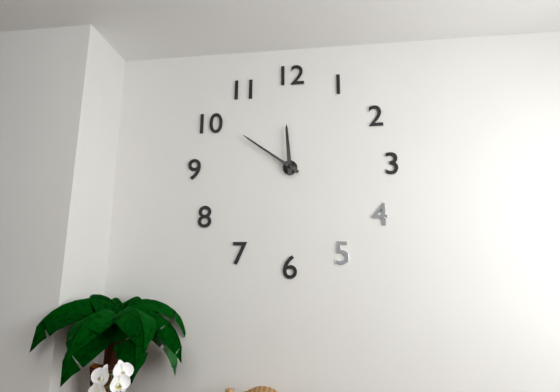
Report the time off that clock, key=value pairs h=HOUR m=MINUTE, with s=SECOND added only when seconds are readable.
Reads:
h=11 m=51
